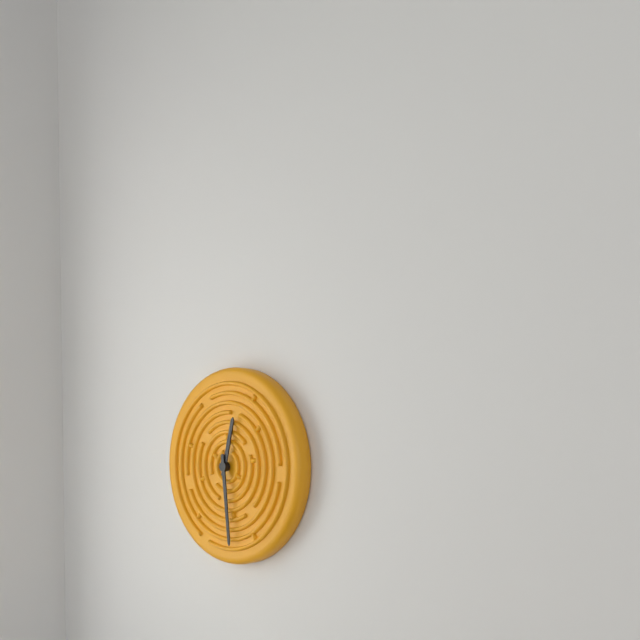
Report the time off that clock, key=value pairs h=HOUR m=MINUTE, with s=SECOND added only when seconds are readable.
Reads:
h=12 m=29
